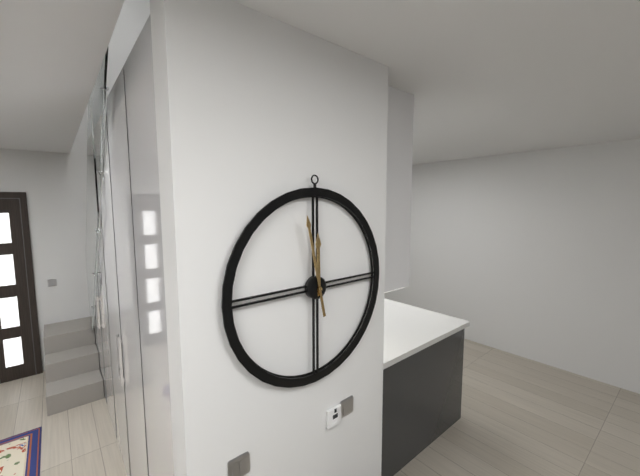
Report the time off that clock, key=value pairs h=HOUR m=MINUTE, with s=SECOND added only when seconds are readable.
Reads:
h=11 m=58
